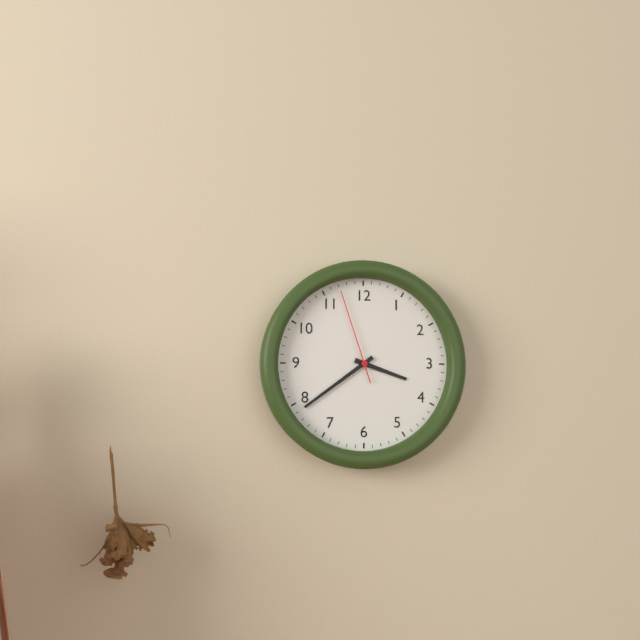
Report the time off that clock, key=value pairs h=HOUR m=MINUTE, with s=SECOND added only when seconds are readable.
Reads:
h=3 m=39 s=57
